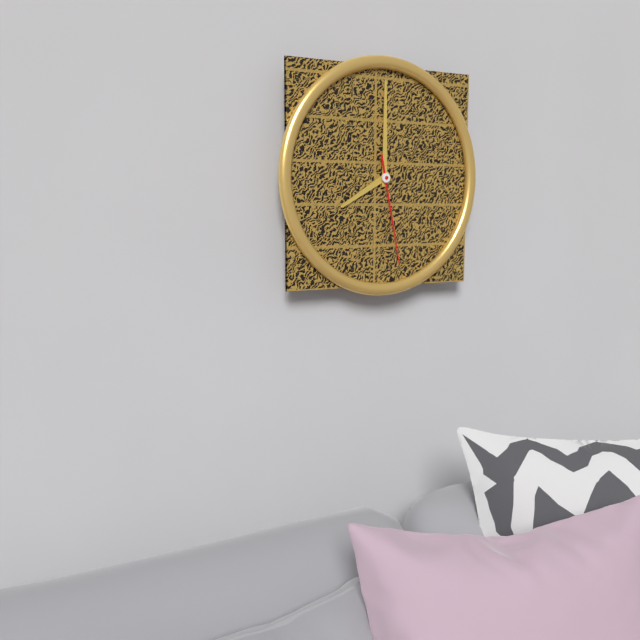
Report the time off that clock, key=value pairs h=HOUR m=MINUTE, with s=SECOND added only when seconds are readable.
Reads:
h=8 m=0 s=28
